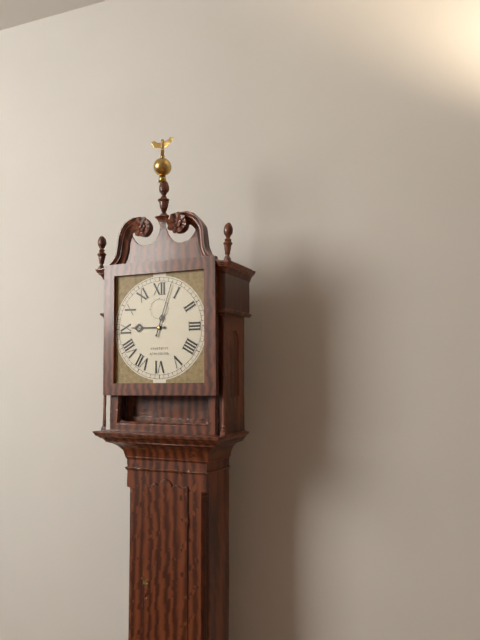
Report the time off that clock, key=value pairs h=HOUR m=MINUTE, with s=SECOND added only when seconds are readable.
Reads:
h=9 m=3
